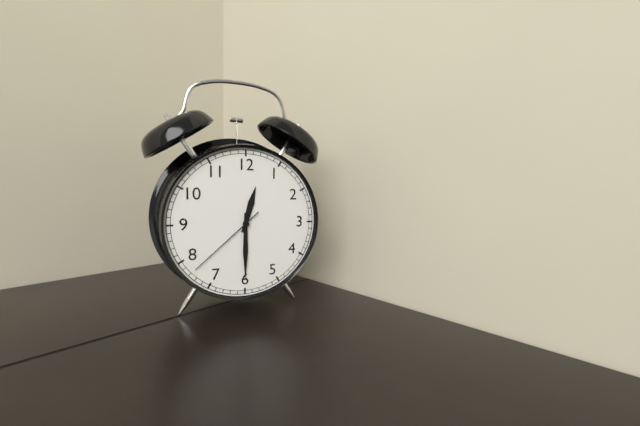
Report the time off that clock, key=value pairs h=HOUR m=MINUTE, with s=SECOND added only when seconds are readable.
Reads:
h=12 m=30 s=38
